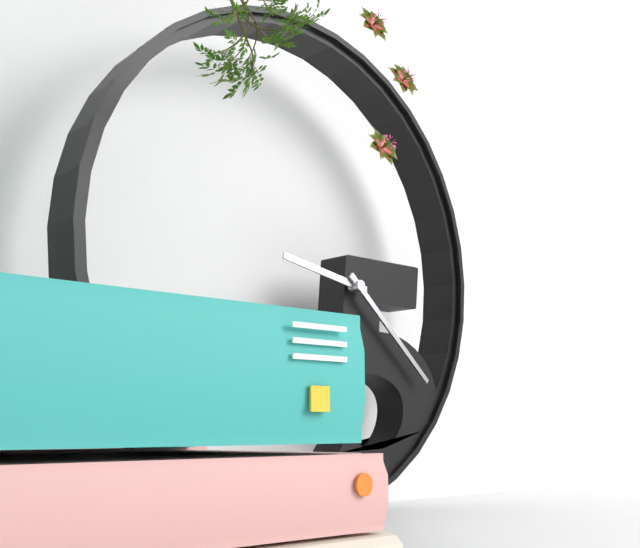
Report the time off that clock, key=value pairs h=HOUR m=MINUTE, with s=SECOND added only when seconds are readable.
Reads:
h=9 m=22
